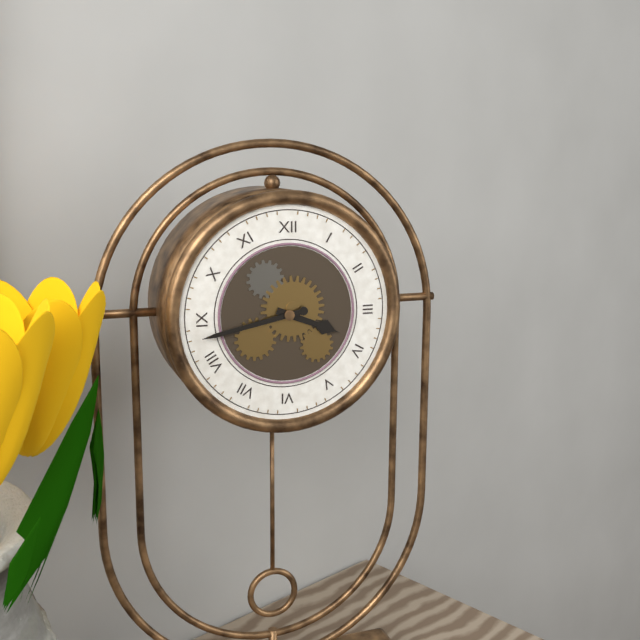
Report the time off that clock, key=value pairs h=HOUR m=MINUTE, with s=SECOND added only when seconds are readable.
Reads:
h=3 m=43
